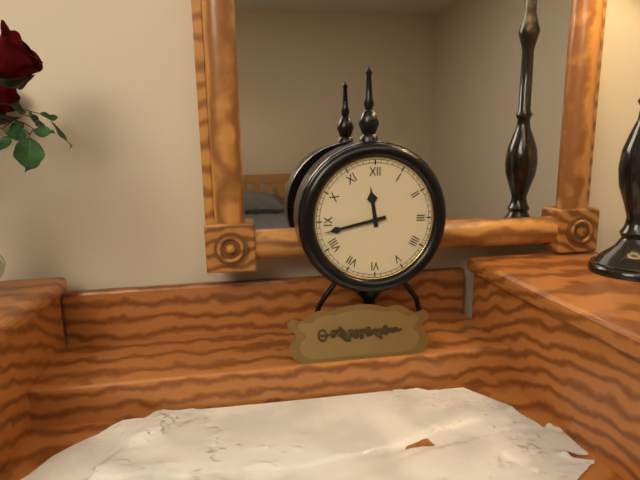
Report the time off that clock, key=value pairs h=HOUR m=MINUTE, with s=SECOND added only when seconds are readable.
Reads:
h=11 m=43
